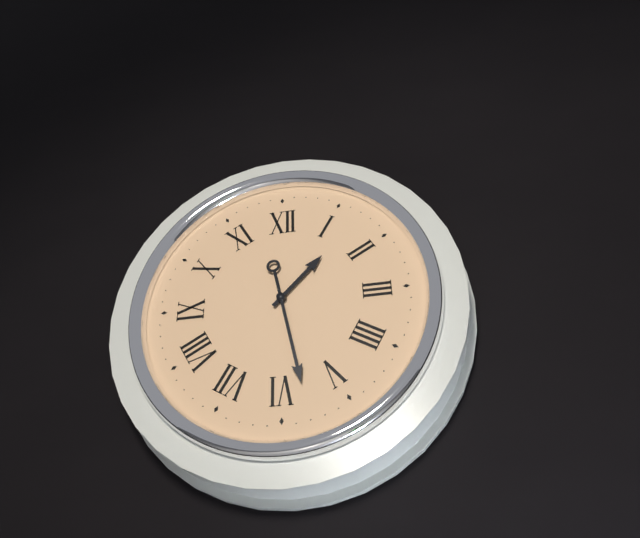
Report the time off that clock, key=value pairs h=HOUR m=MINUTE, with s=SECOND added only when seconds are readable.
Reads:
h=1 m=28
